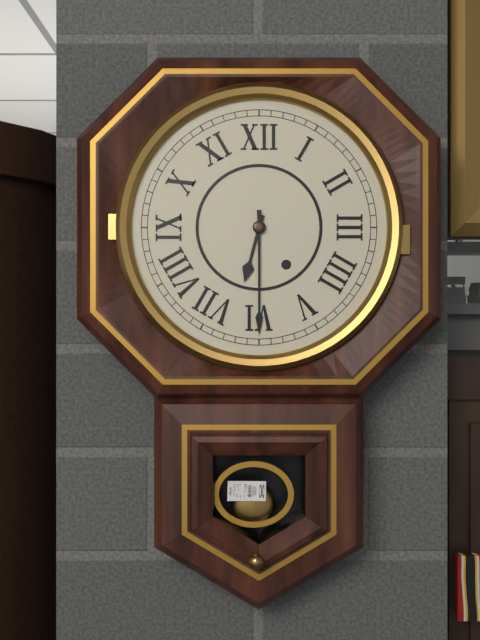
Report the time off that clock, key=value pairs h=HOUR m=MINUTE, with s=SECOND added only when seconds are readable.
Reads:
h=6 m=30
